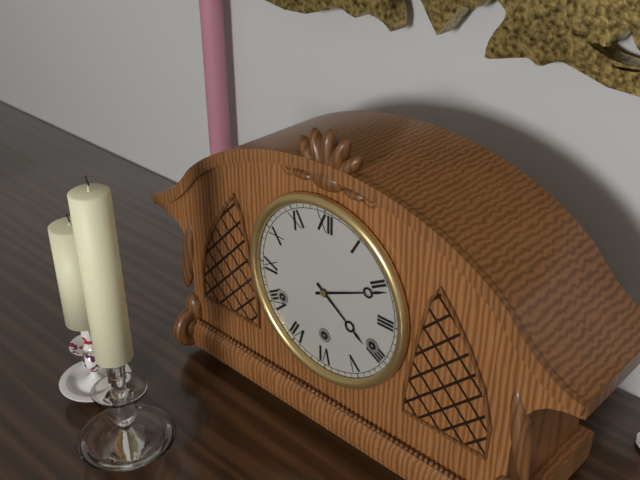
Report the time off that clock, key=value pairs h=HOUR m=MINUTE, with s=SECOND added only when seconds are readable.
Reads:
h=4 m=11
